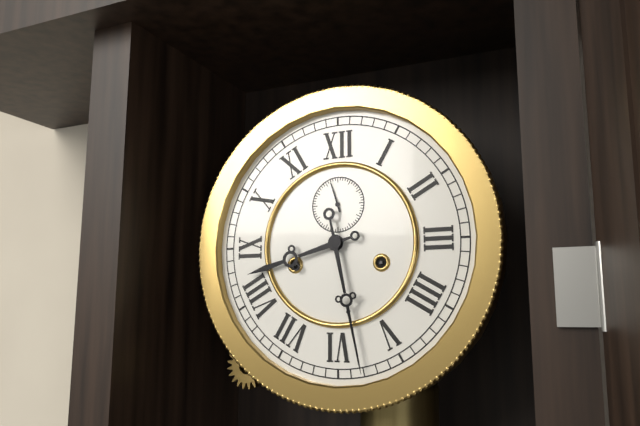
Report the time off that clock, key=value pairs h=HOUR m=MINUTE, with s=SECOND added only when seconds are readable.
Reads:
h=8 m=28
